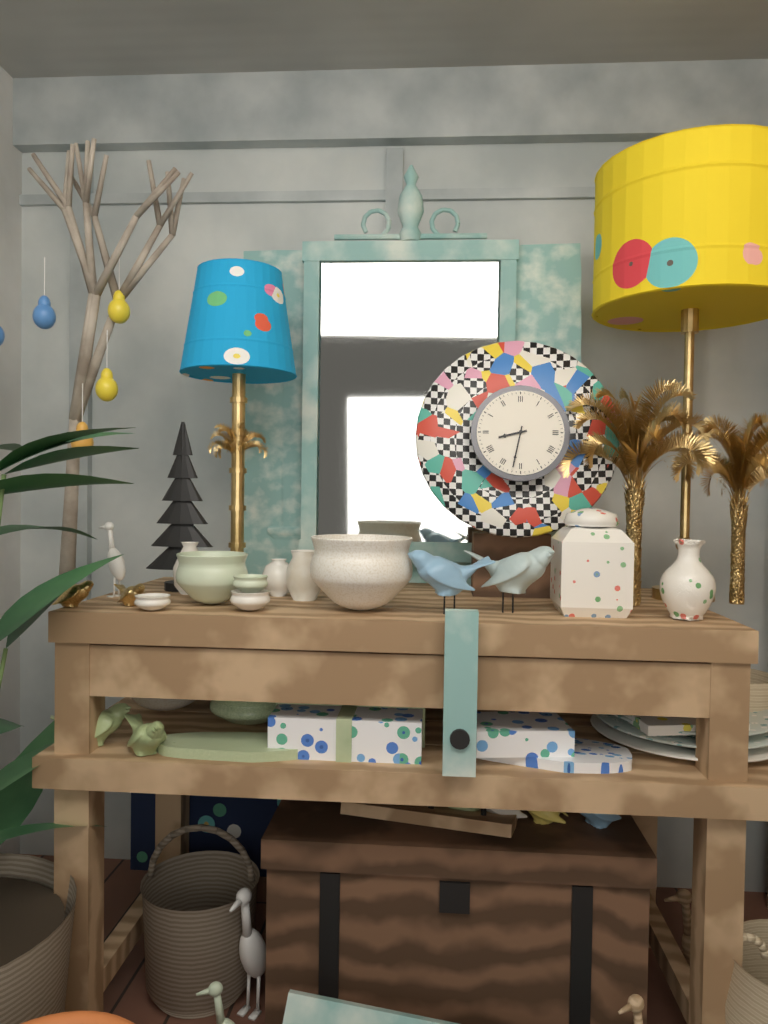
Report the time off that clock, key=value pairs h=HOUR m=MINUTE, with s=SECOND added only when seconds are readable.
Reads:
h=8 m=32
